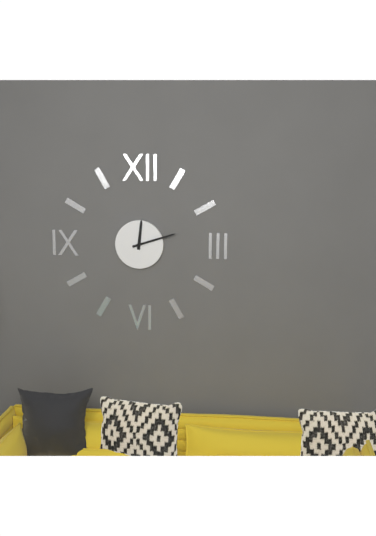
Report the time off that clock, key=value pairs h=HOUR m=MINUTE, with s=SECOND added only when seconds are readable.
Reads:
h=12 m=12
